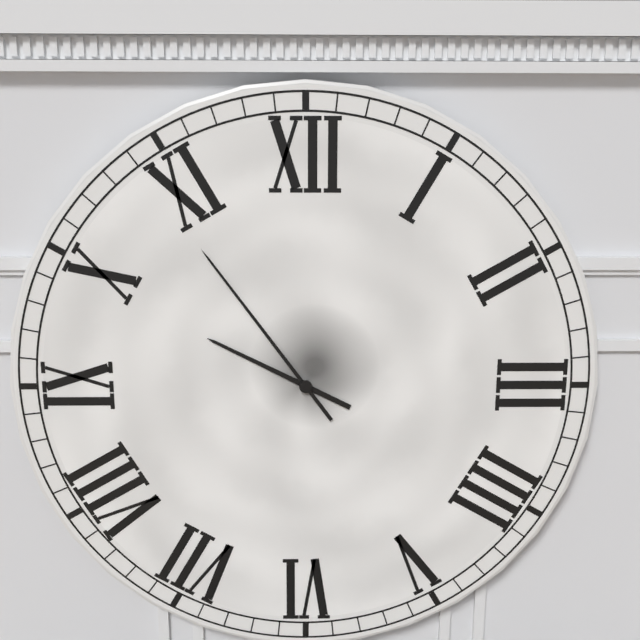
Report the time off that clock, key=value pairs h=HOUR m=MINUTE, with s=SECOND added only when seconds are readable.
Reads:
h=9 m=54
